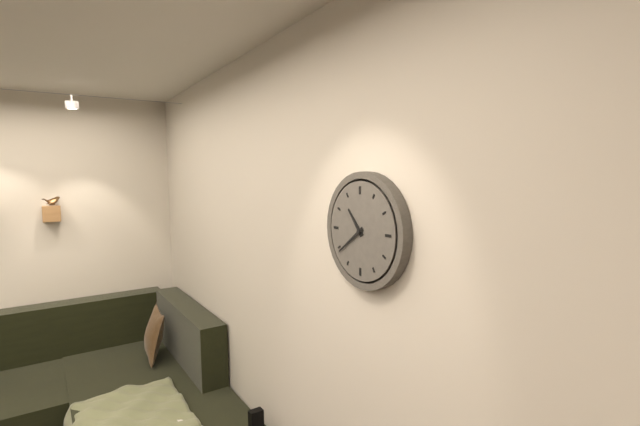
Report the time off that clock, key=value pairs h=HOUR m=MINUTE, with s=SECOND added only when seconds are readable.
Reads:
h=10 m=39
